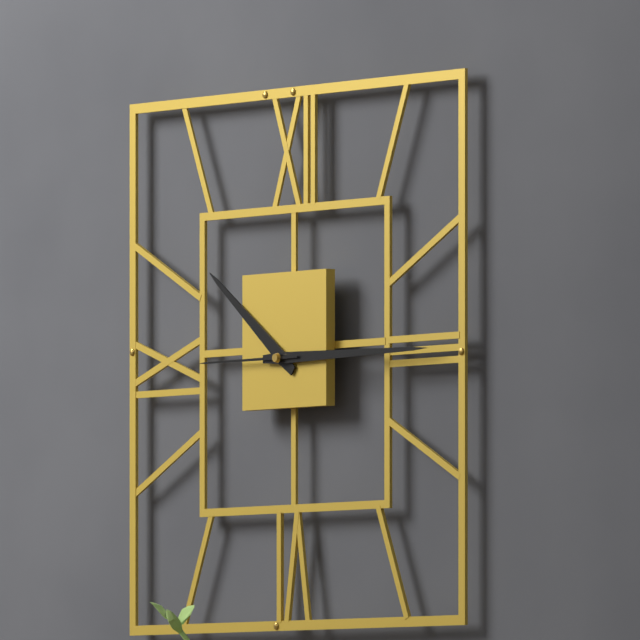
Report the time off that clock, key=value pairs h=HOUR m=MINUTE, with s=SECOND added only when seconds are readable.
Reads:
h=10 m=15 s=45
